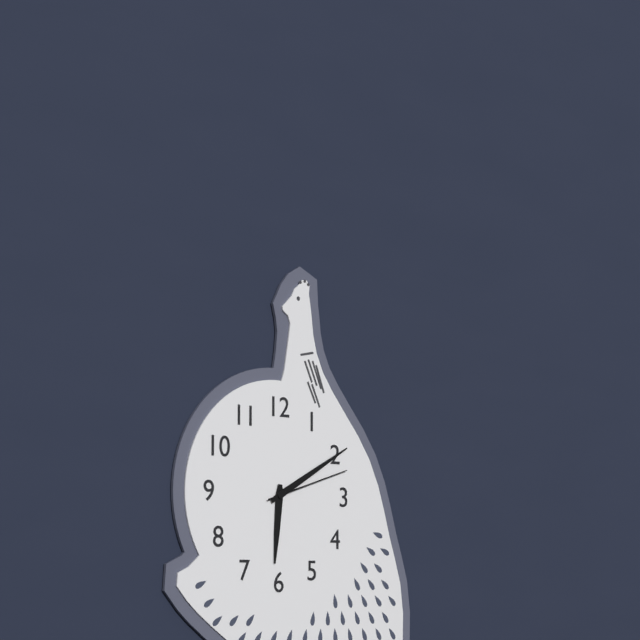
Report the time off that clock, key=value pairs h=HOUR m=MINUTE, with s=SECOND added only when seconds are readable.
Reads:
h=6 m=10 s=12
